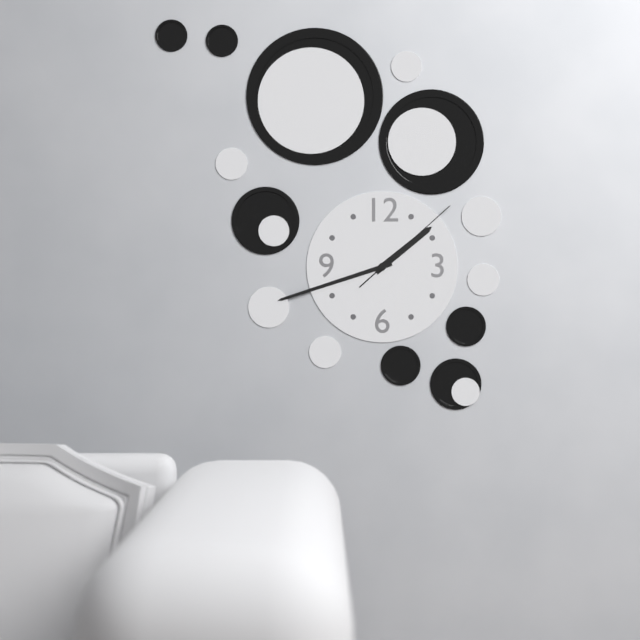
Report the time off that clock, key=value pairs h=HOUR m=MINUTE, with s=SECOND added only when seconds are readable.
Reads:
h=1 m=42 s=8
